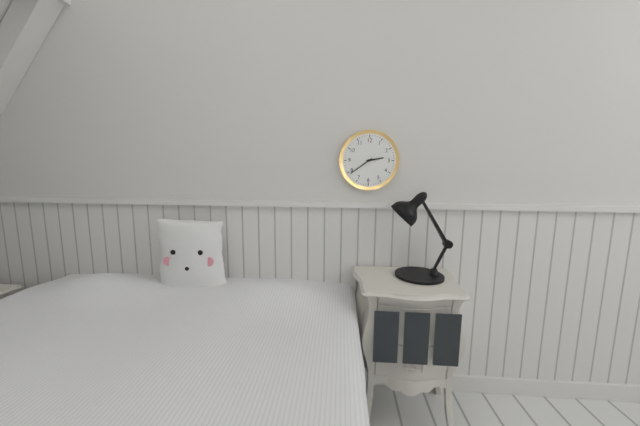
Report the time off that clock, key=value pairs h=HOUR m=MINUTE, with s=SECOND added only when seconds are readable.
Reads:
h=2 m=39
